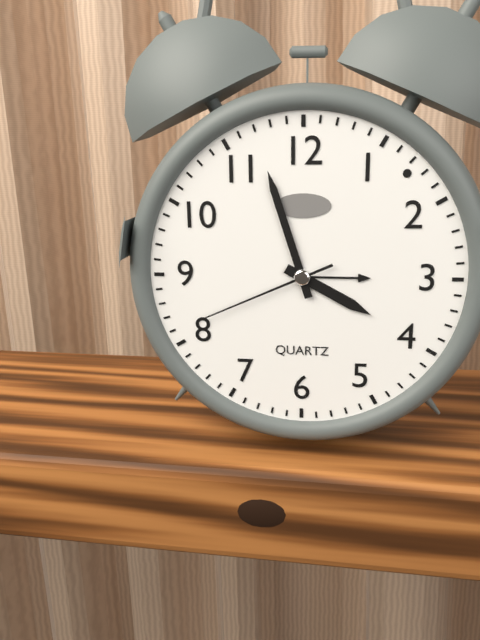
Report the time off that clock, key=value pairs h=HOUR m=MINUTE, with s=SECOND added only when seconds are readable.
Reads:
h=3 m=57 s=41
